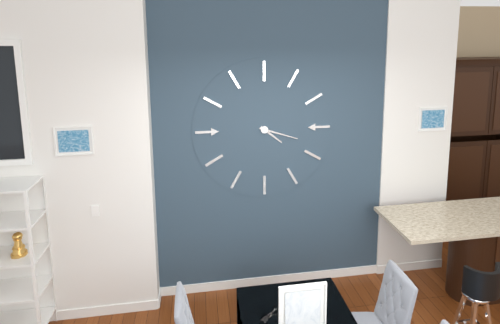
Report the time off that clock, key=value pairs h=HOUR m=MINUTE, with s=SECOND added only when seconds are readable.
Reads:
h=4 m=18
